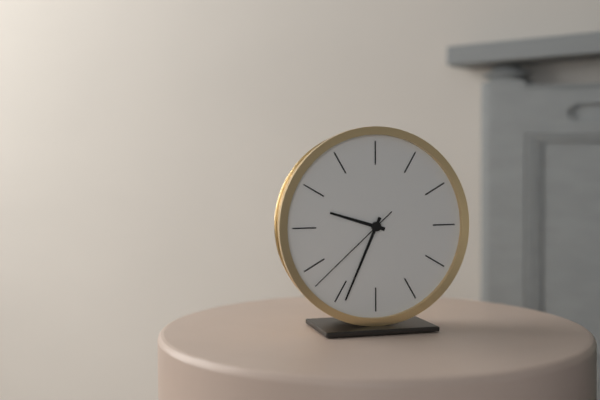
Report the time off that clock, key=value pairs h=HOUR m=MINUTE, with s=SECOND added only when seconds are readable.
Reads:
h=9 m=34 s=38
